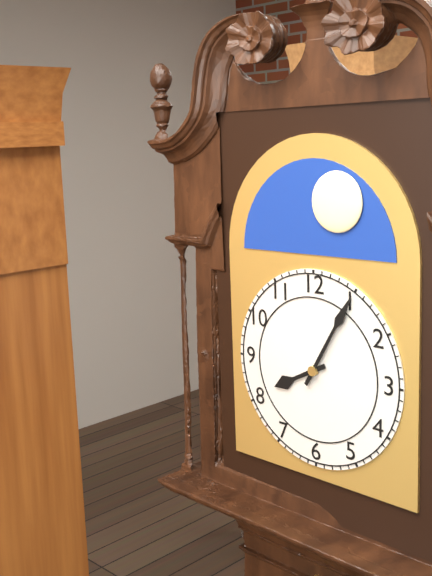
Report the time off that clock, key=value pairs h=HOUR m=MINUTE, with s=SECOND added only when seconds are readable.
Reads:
h=8 m=5
